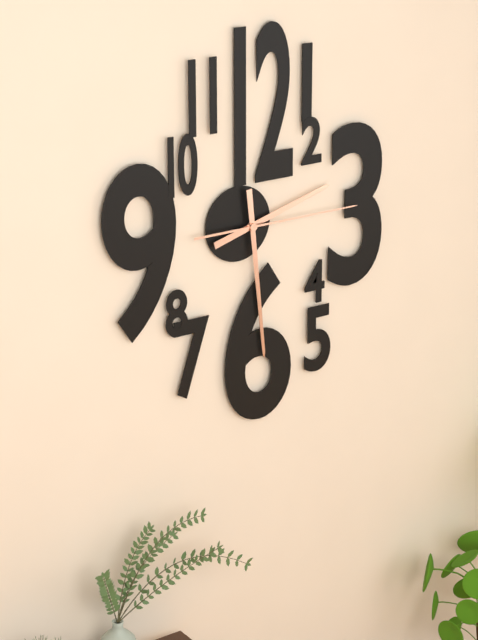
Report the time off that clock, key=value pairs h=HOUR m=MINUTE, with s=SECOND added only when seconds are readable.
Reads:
h=2 m=29 s=15
